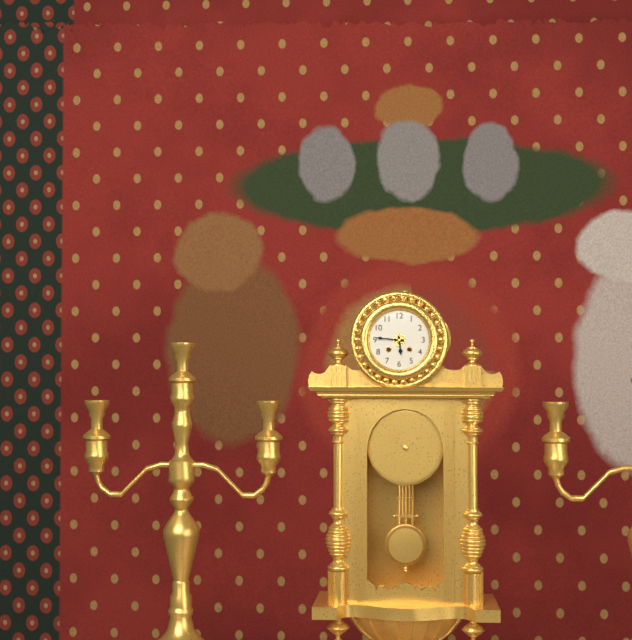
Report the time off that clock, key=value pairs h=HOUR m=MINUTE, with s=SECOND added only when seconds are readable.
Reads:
h=5 m=46
